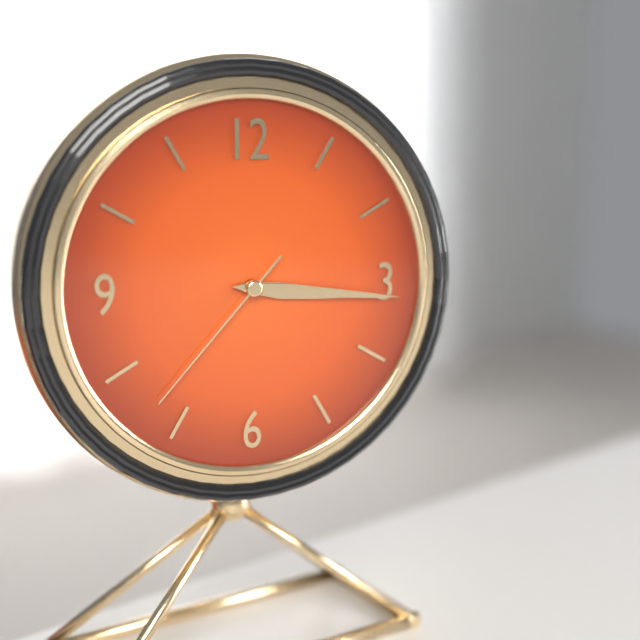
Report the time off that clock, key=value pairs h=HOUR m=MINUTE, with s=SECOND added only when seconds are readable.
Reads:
h=3 m=16 s=37
